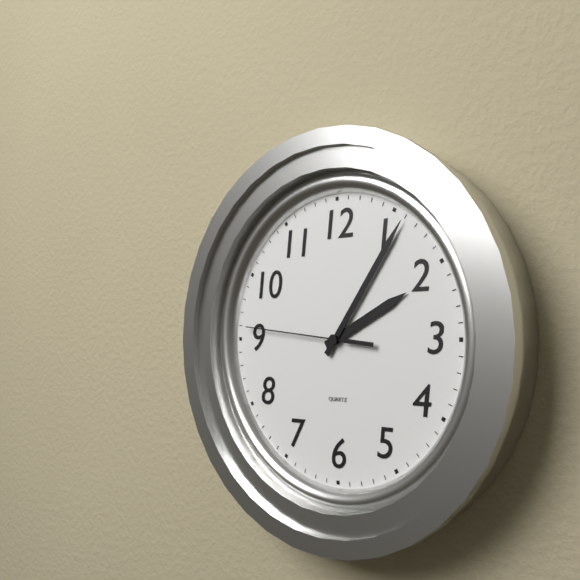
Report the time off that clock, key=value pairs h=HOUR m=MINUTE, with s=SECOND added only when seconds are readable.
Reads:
h=2 m=6 s=46
